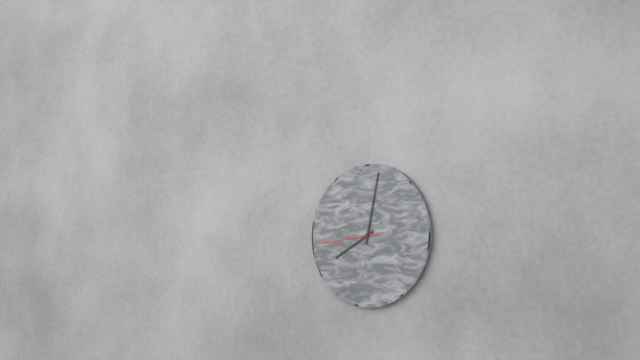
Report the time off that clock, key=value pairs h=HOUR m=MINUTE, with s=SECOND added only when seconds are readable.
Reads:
h=8 m=2 s=44
